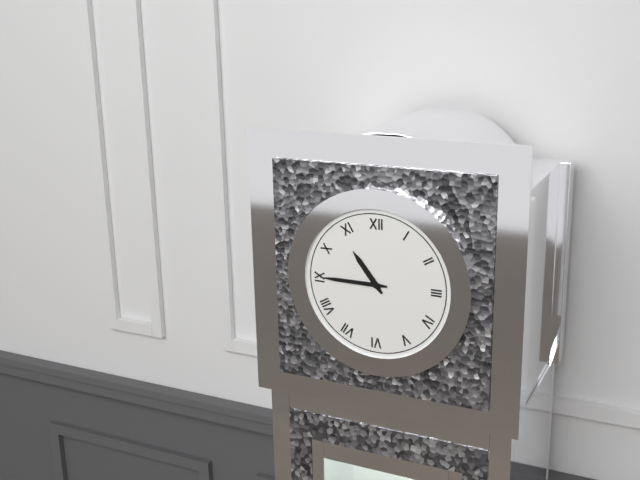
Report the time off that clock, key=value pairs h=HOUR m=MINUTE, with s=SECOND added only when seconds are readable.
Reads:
h=10 m=45
